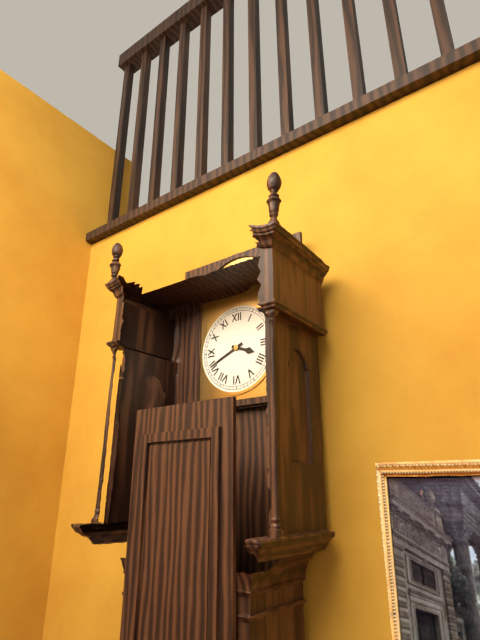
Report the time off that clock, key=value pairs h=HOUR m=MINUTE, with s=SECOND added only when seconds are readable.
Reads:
h=3 m=41
